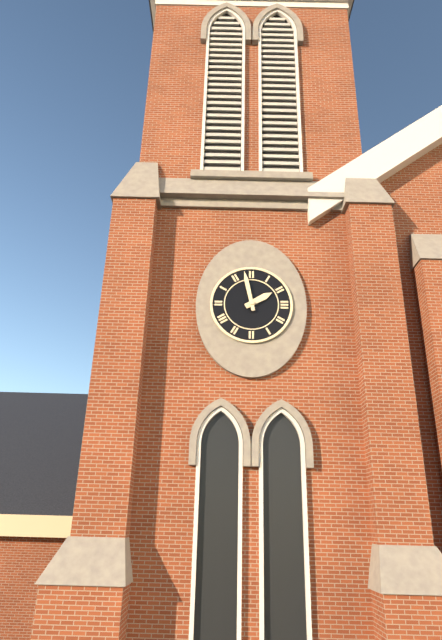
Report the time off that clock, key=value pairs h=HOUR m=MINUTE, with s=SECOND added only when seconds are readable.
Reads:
h=1 m=58
